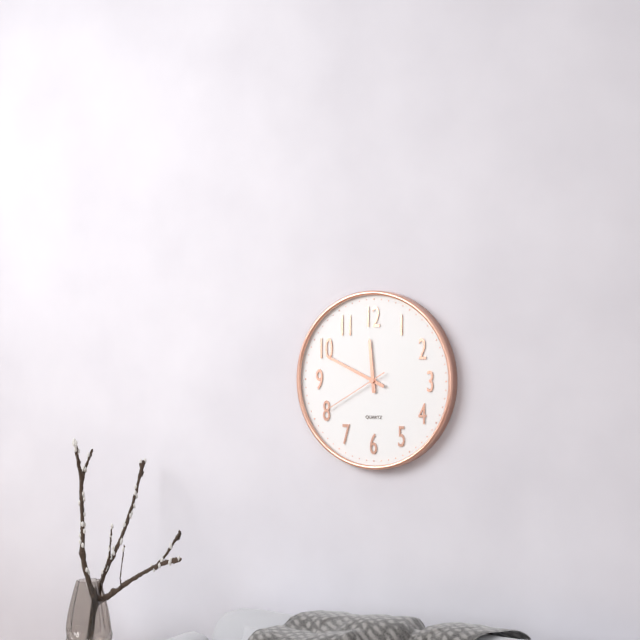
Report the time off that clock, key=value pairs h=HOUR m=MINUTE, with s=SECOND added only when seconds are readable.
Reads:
h=11 m=49 s=40
